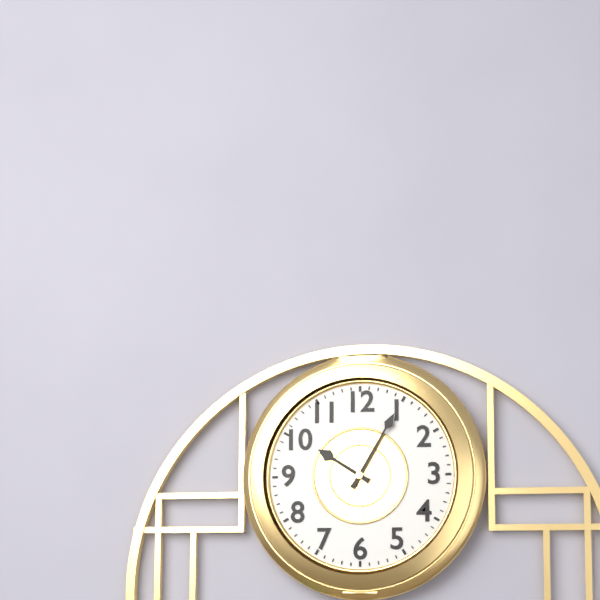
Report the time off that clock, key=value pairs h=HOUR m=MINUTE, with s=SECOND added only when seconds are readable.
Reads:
h=10 m=5
